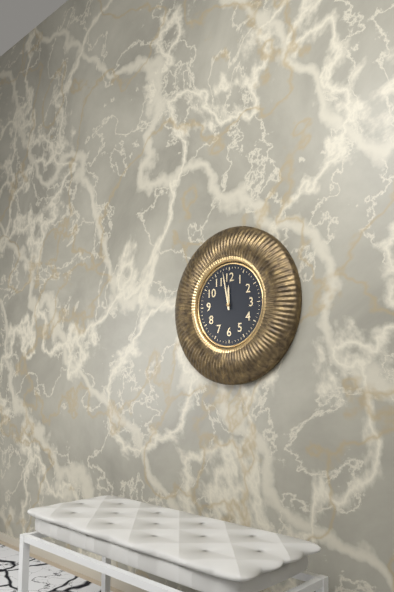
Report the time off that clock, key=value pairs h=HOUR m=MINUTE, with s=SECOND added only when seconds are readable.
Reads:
h=11 m=58
